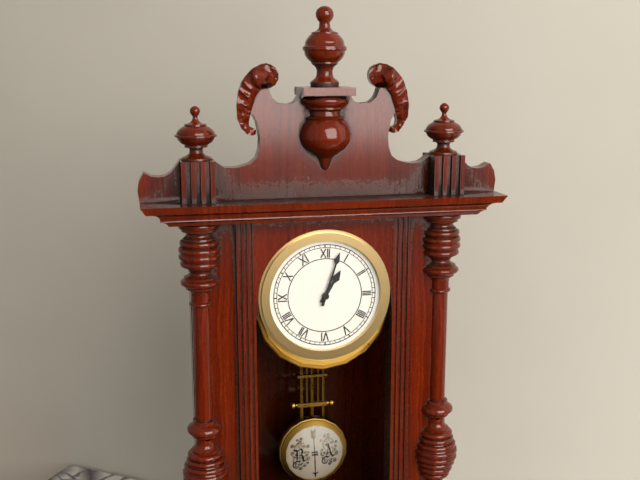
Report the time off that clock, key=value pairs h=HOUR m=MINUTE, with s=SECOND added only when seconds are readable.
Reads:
h=1 m=3
